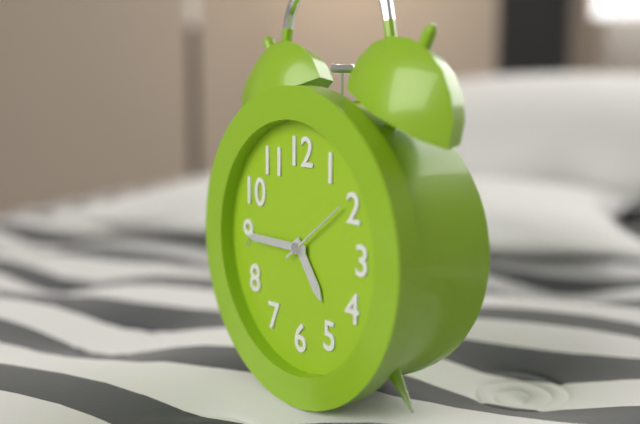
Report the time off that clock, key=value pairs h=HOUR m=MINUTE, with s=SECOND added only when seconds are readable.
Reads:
h=4 m=45 s=9
